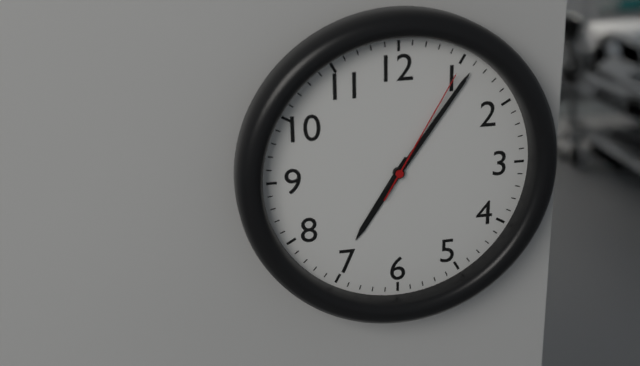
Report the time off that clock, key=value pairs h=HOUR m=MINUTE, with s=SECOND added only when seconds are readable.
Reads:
h=7 m=6 s=5
